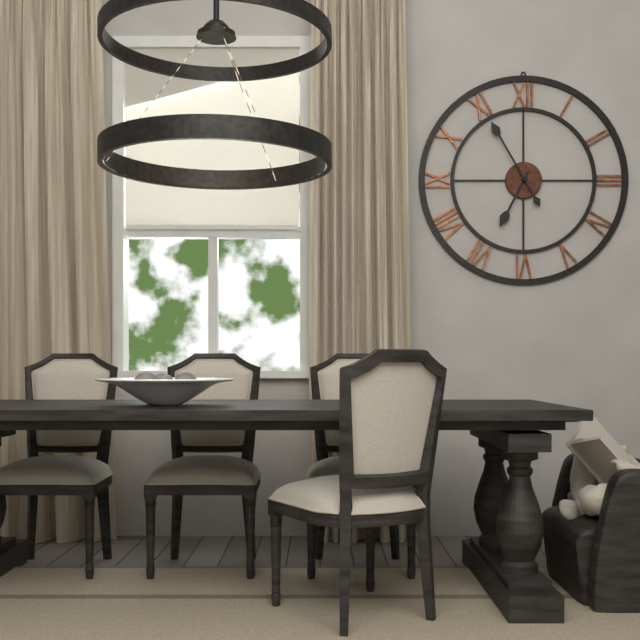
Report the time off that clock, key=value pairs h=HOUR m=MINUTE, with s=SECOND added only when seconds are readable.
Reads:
h=6 m=55
